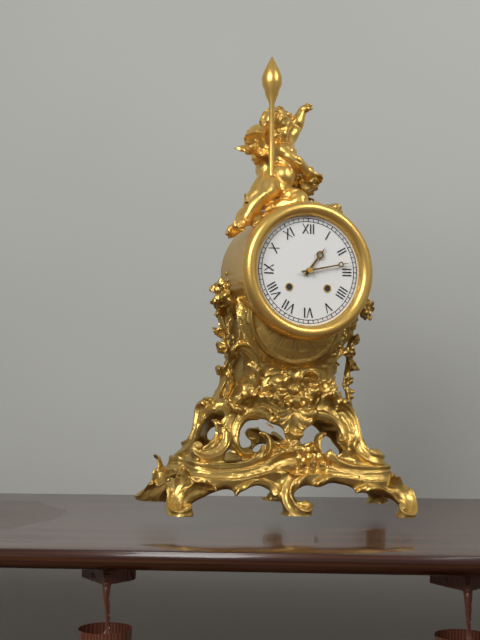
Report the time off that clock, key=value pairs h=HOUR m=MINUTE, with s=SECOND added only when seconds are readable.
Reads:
h=1 m=13
